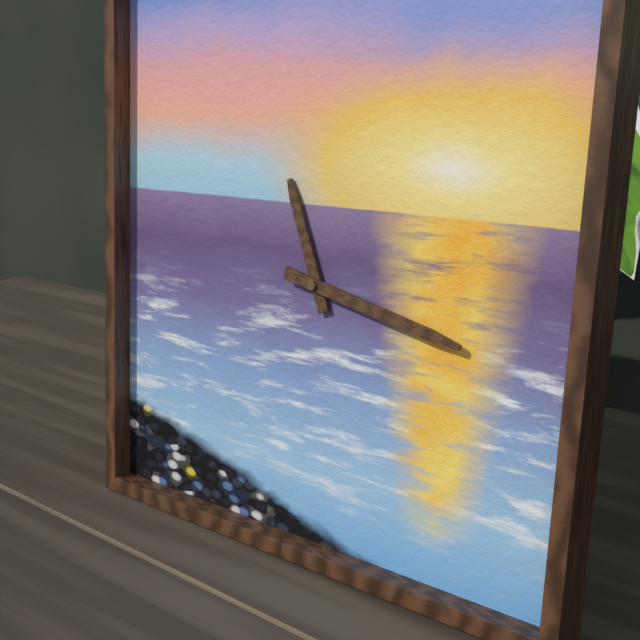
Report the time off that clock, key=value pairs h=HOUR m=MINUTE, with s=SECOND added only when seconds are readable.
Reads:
h=11 m=17
